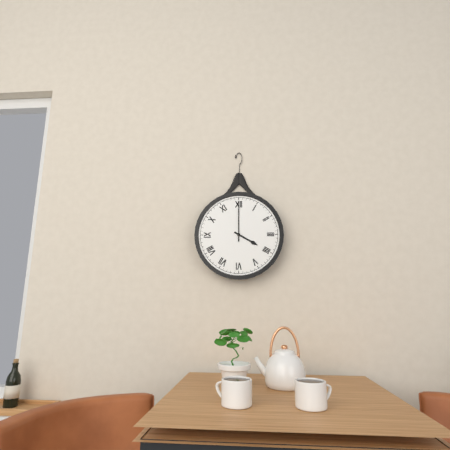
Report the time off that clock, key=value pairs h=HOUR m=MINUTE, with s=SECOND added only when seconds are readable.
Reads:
h=4 m=0
